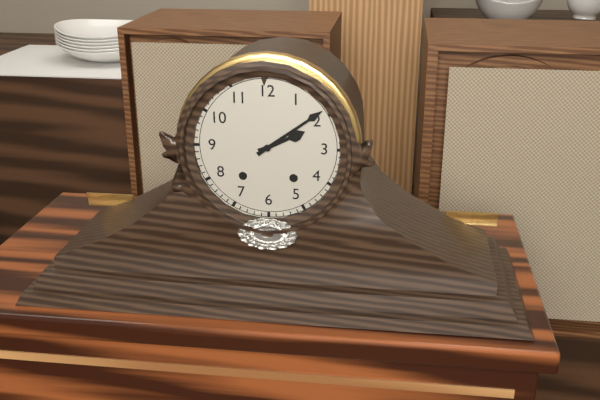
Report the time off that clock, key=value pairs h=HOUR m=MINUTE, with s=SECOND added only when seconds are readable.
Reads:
h=2 m=9
